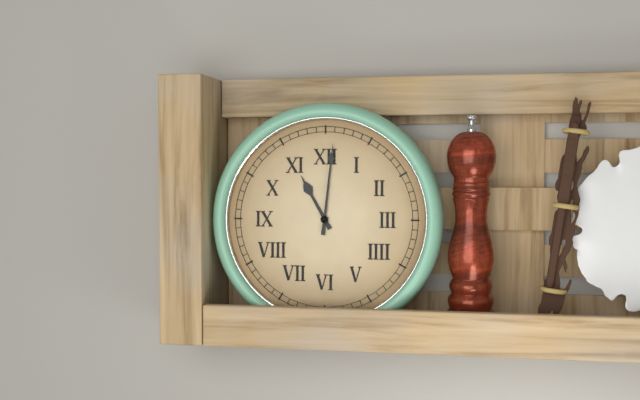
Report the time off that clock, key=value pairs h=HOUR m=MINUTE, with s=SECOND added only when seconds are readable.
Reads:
h=11 m=1
